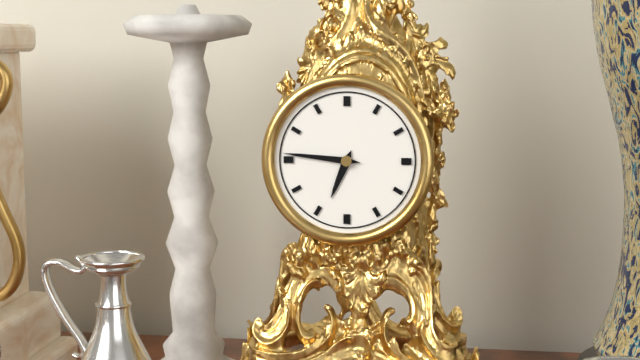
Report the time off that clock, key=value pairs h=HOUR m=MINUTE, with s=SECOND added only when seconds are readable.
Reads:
h=6 m=46
